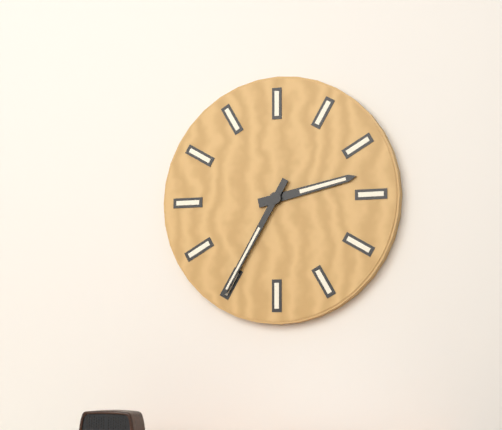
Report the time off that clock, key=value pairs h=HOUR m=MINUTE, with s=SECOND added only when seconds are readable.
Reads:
h=2 m=35
